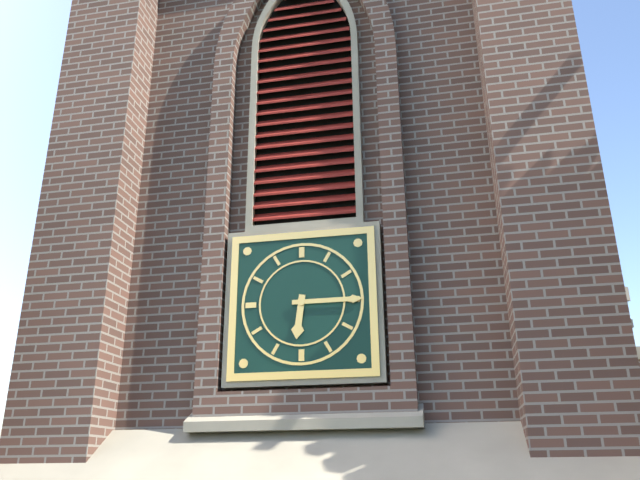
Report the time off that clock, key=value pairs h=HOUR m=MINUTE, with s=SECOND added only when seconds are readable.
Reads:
h=6 m=15
